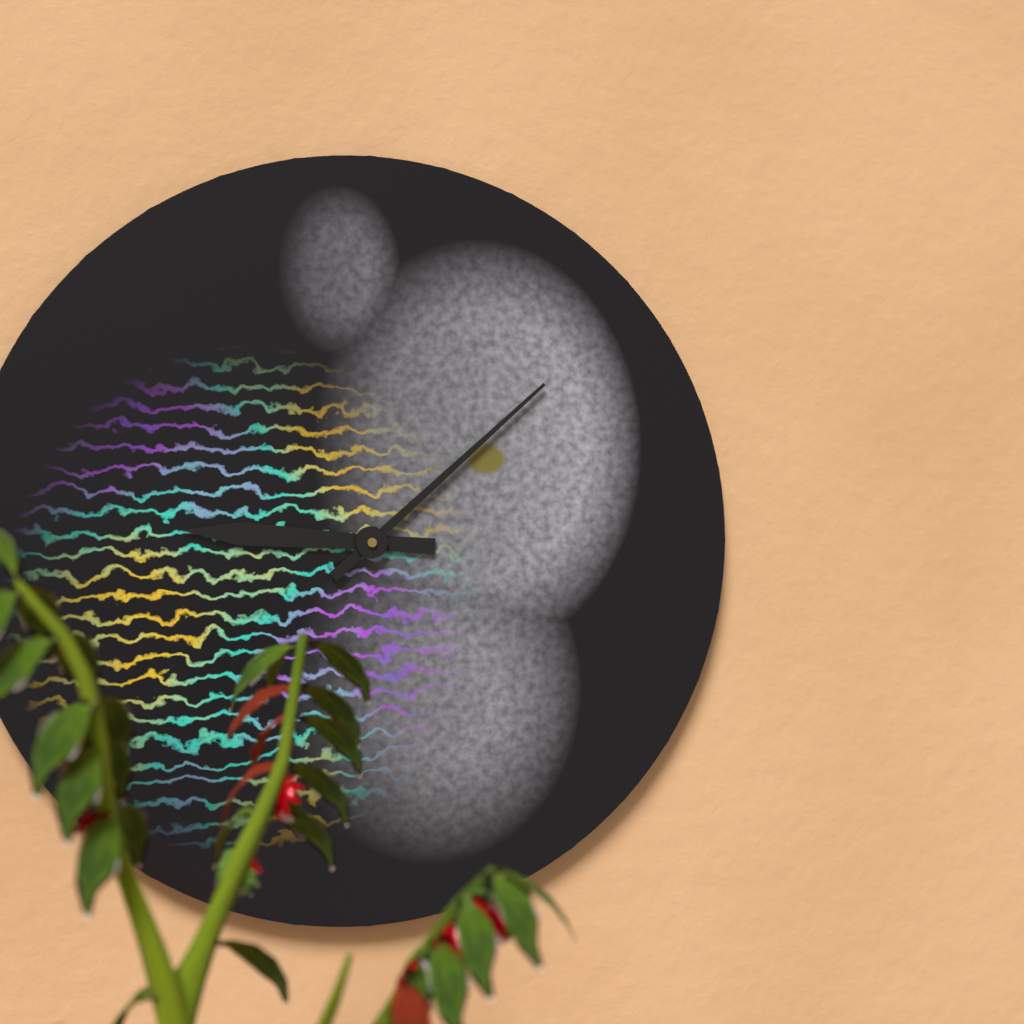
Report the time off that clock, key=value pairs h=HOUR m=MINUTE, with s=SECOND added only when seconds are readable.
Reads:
h=9 m=8
